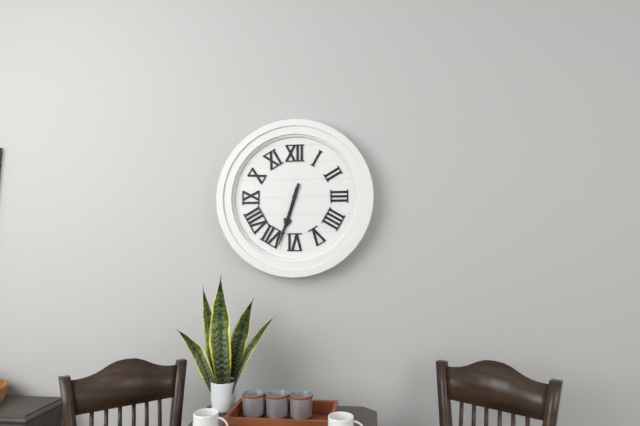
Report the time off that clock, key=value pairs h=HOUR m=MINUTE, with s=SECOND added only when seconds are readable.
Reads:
h=6 m=33
